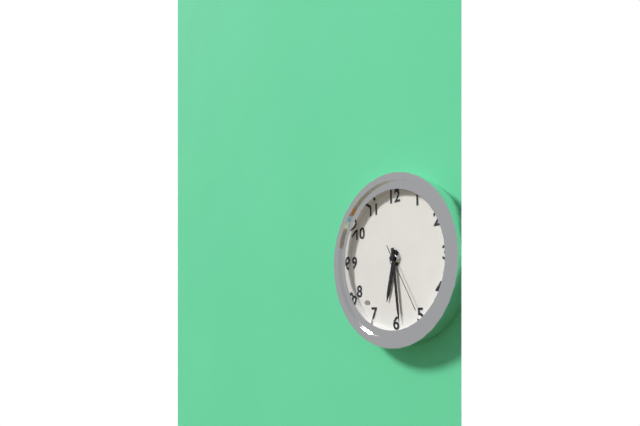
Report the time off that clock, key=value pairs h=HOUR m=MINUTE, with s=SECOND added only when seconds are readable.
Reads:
h=6 m=29 s=25
